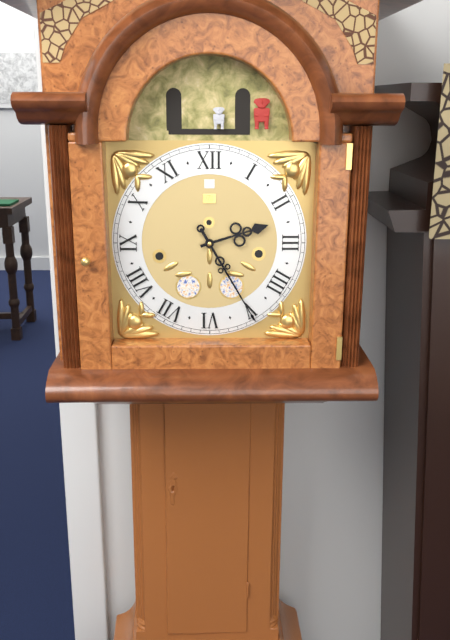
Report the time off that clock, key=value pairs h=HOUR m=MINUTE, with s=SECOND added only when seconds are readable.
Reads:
h=2 m=25
